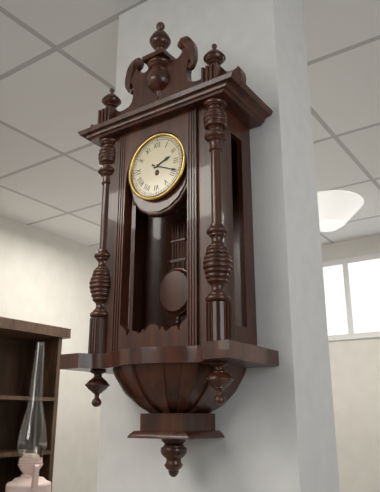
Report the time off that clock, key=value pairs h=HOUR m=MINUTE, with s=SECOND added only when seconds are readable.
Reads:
h=2 m=19
